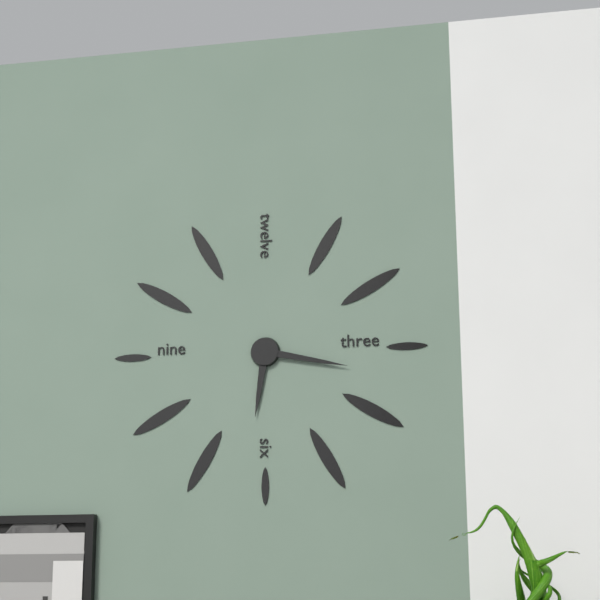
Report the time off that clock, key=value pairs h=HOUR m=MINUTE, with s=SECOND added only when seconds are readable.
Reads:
h=6 m=17
